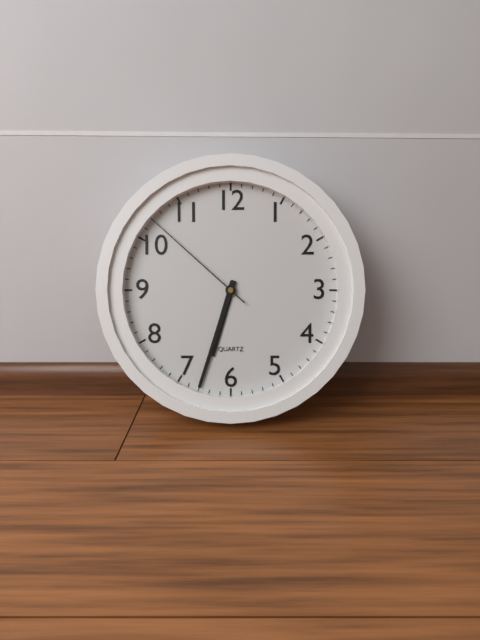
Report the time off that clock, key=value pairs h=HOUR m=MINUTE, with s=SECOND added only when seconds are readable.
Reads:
h=6 m=33 s=52
